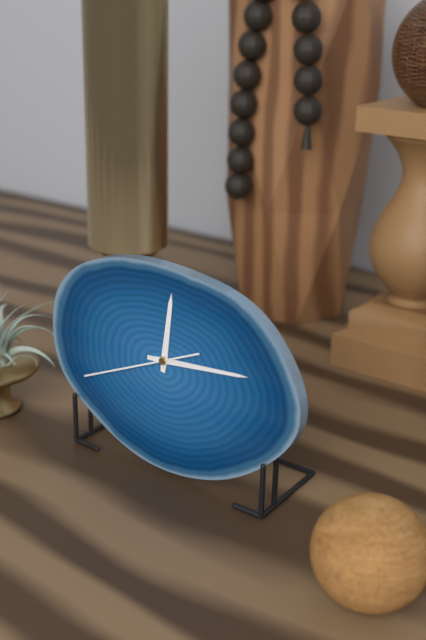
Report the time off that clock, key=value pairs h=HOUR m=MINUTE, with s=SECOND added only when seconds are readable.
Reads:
h=12 m=14 s=41
